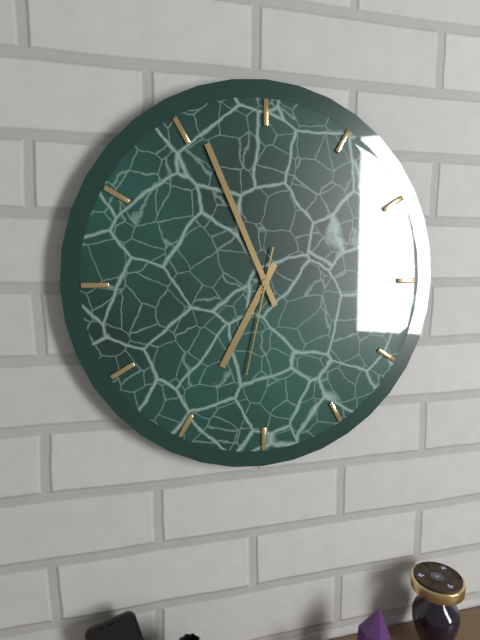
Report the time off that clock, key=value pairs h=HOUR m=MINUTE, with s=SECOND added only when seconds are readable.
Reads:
h=6 m=56 s=32
